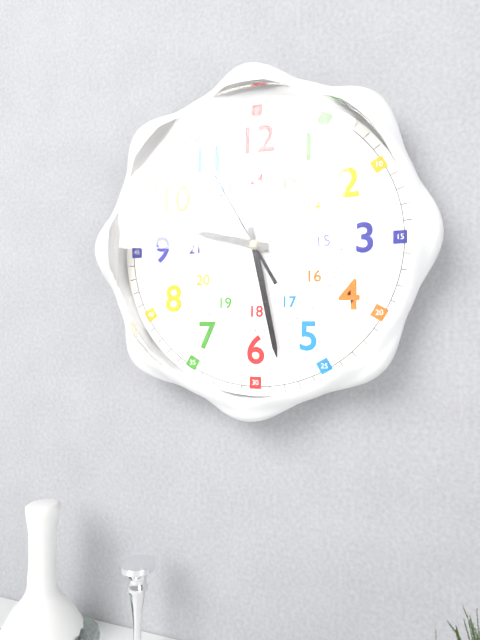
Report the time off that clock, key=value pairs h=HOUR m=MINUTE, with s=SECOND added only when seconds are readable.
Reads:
h=9 m=28 s=55
